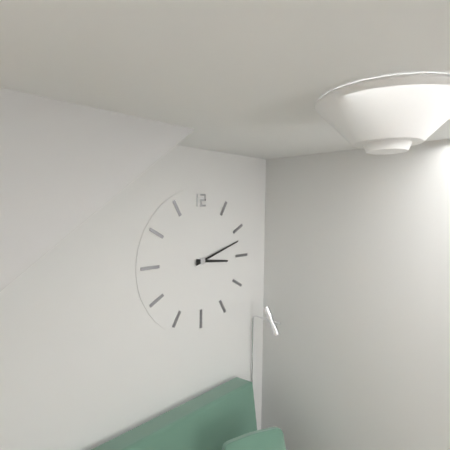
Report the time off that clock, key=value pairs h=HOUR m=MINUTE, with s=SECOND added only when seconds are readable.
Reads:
h=3 m=12
